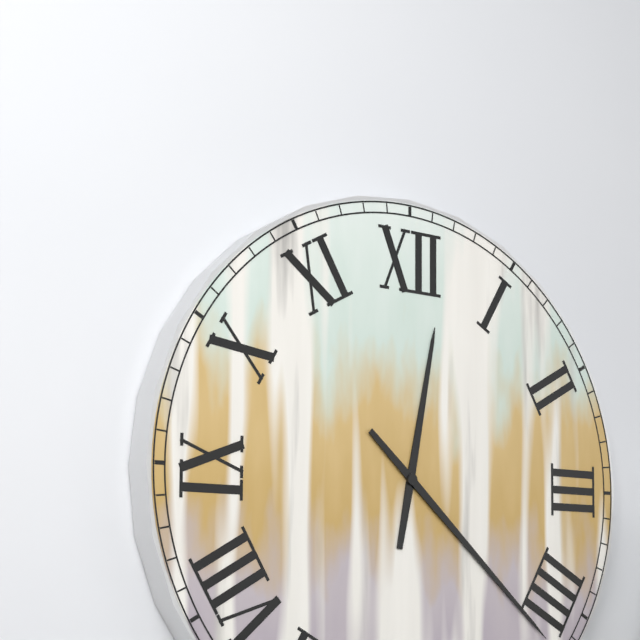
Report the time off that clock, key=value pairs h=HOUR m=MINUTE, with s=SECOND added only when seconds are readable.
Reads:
h=12 m=22
